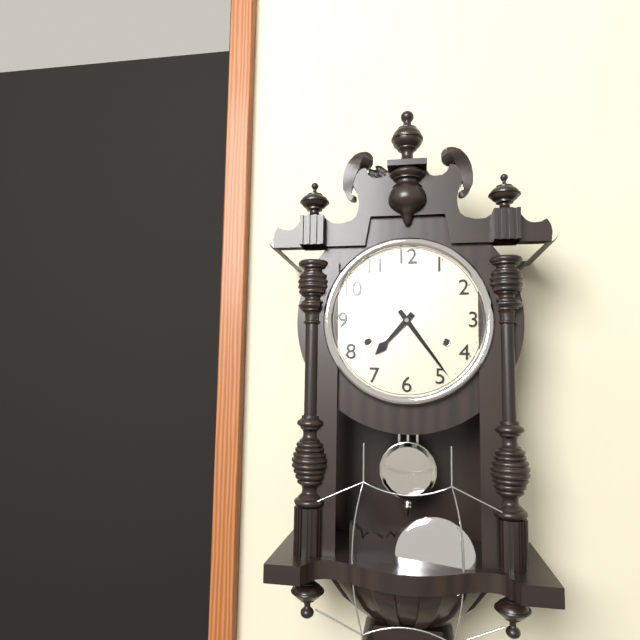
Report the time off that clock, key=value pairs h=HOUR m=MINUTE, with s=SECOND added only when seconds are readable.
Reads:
h=7 m=24
